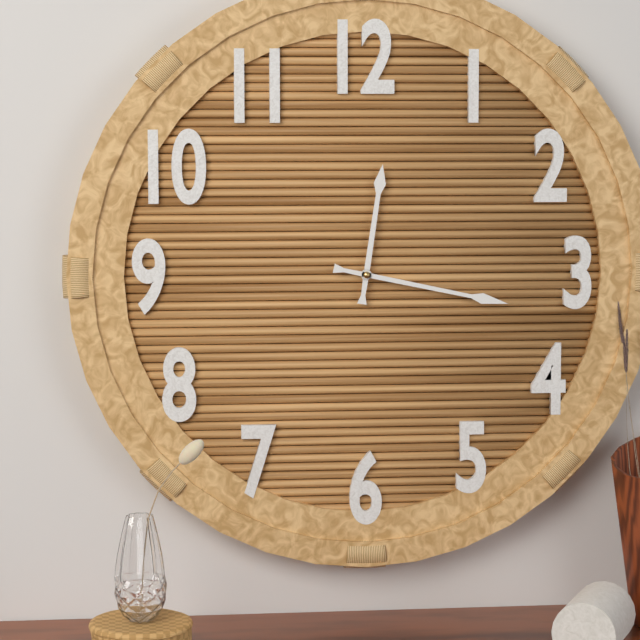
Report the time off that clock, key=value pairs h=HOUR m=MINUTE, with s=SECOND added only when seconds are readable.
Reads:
h=12 m=17
